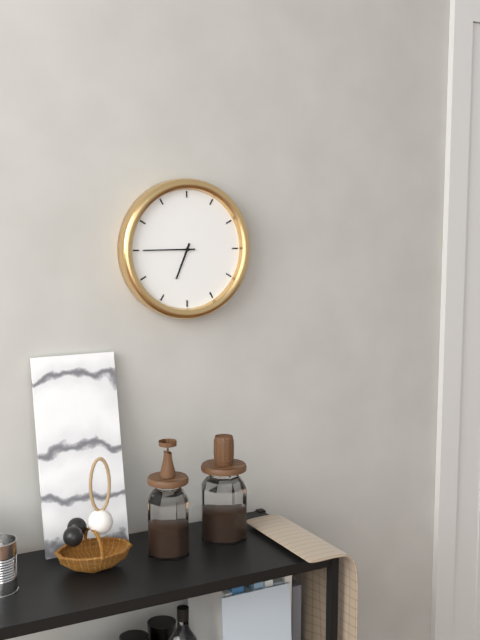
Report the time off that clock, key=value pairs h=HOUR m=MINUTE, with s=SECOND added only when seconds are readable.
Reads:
h=6 m=45
